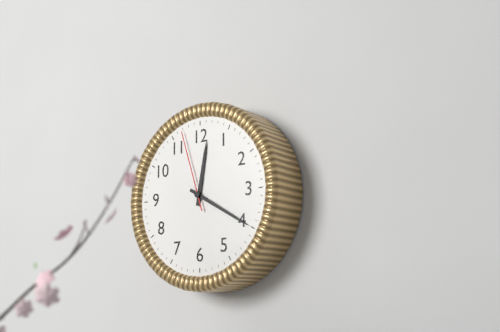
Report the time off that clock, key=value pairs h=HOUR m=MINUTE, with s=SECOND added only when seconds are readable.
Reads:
h=12 m=20 s=57
